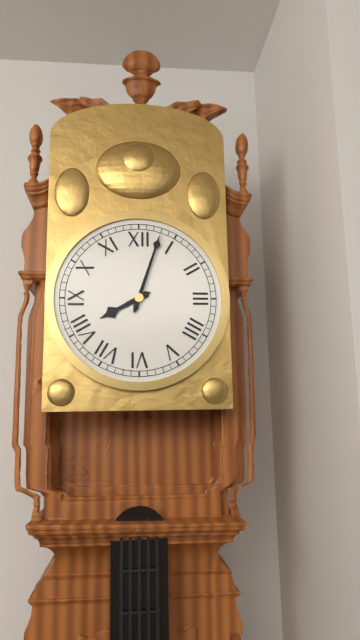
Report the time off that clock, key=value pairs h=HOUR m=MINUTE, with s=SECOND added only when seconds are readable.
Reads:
h=8 m=3
